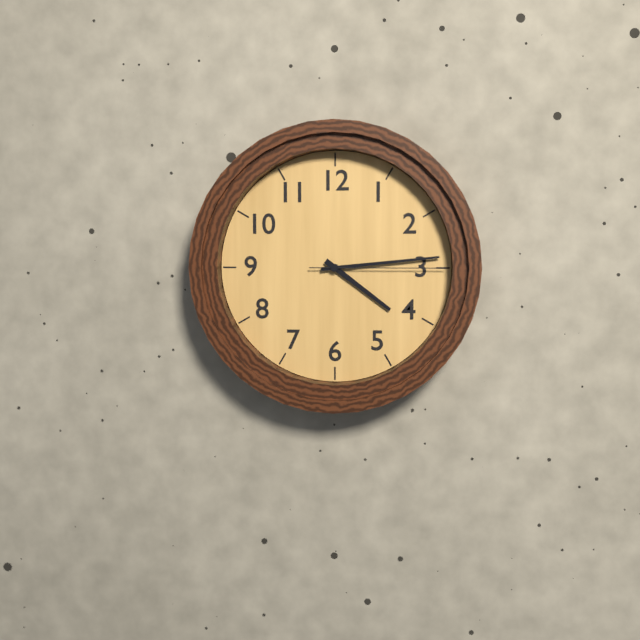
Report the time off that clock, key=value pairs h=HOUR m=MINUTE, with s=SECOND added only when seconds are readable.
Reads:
h=4 m=14 s=15
